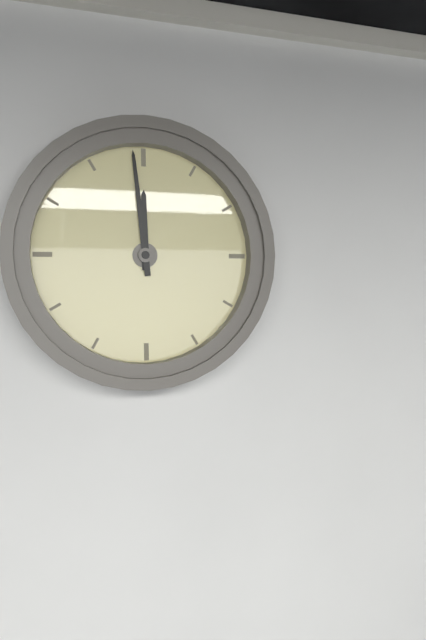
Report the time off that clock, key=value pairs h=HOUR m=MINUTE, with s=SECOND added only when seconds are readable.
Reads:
h=11 m=59
